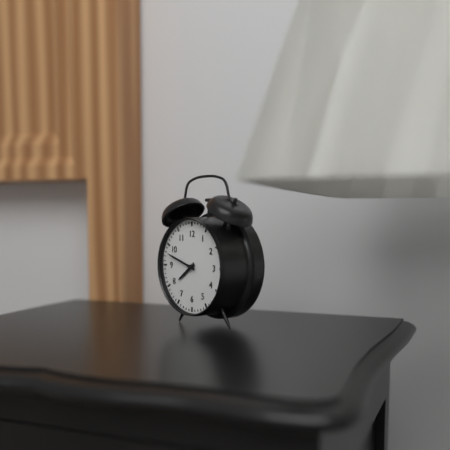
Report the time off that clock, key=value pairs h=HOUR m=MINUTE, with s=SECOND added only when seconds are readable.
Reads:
h=7 m=48
